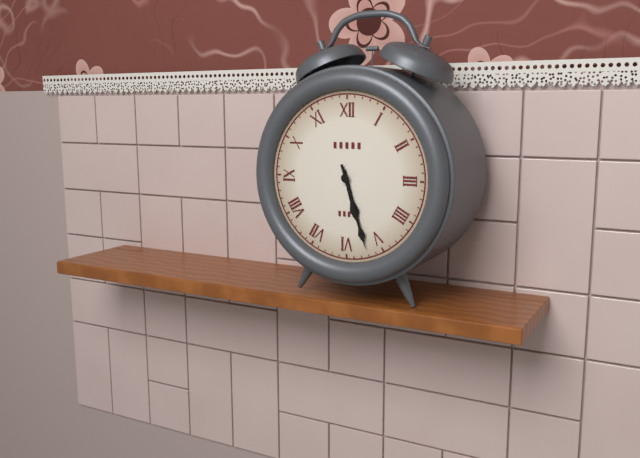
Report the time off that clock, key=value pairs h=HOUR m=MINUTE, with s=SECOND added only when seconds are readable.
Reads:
h=5 m=27
